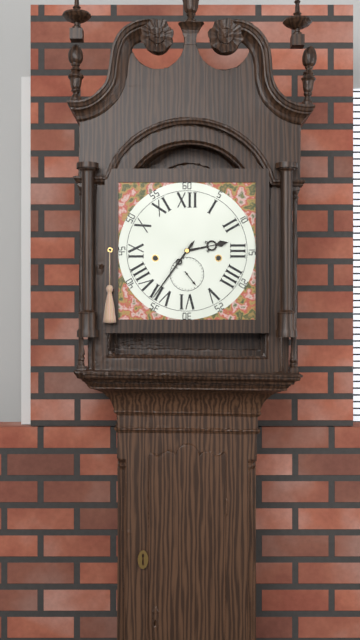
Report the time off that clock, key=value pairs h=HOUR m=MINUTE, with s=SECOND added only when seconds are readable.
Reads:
h=2 m=36
